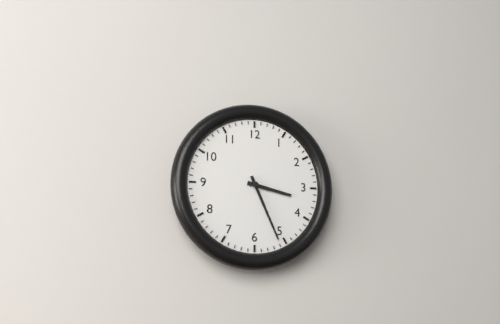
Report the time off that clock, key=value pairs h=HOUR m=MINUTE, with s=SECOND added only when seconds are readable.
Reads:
h=3 m=26
